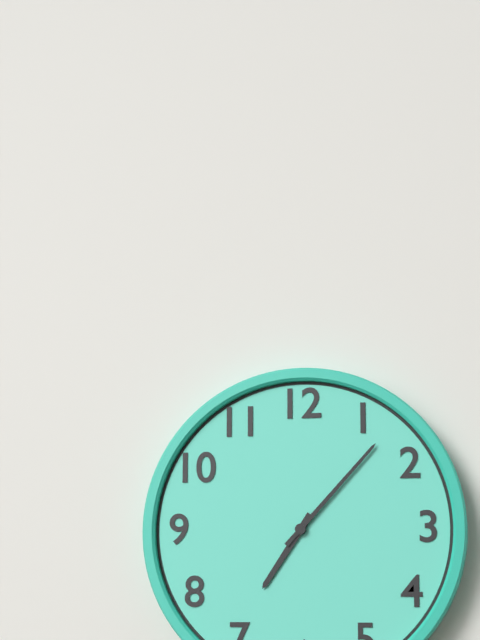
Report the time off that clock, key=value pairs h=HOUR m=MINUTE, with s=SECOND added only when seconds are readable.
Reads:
h=7 m=7
